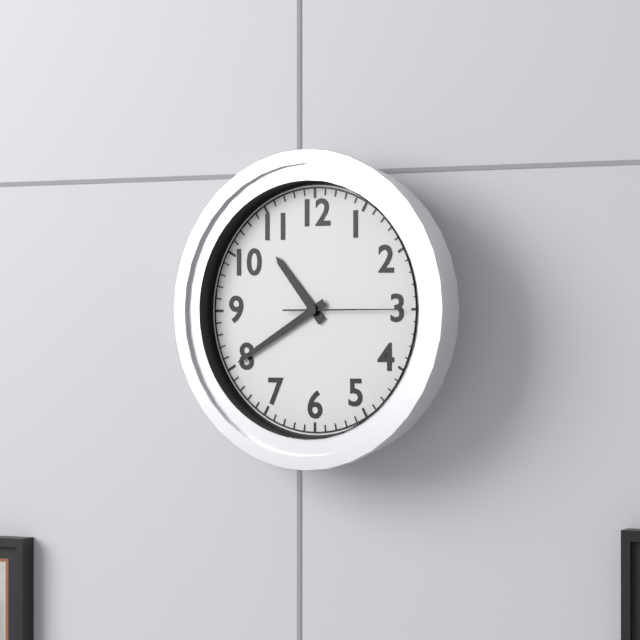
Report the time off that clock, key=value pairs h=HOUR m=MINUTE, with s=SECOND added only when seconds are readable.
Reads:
h=10 m=40 s=15
